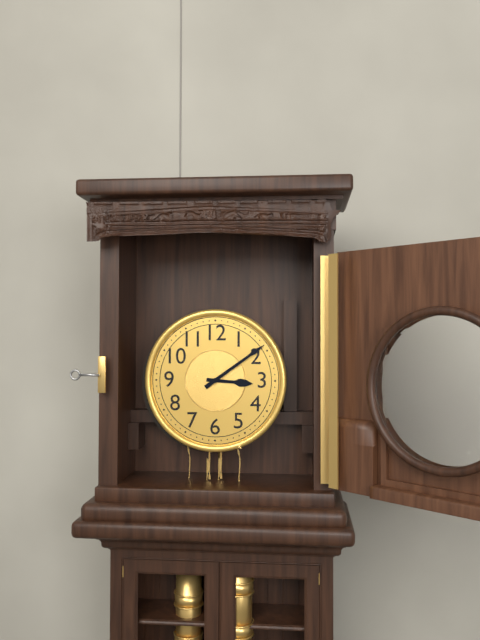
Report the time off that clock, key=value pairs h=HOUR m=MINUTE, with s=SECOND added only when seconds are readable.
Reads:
h=3 m=9
